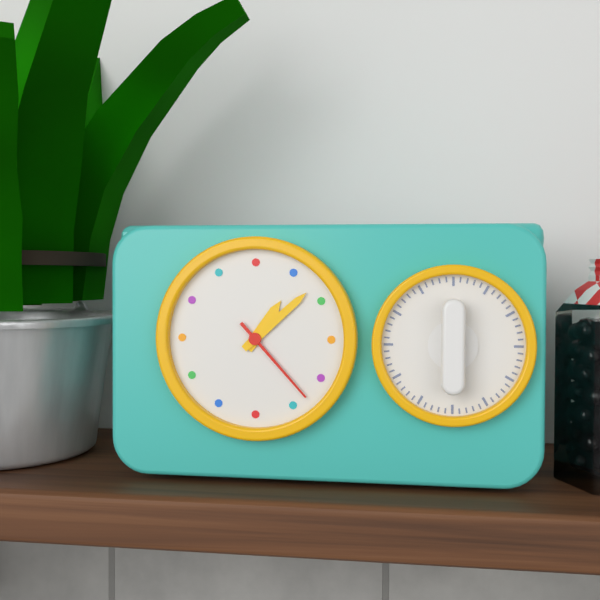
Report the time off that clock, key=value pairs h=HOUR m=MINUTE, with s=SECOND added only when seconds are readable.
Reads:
h=1 m=8 s=23
